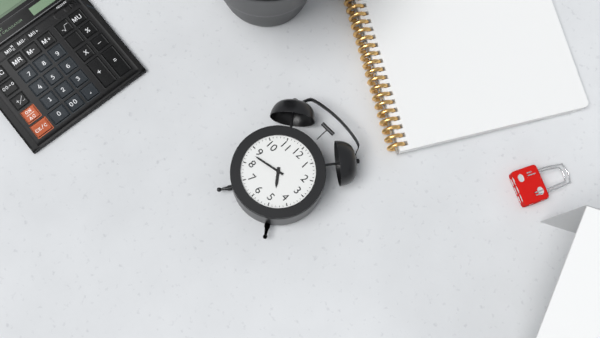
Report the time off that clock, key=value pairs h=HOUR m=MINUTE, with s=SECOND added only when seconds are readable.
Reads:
h=4 m=43
